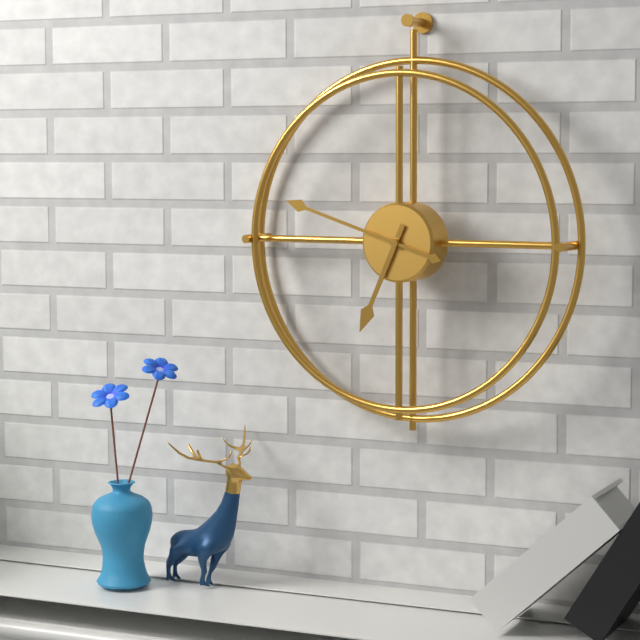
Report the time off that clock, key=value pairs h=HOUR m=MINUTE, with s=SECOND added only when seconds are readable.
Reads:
h=6 m=48
